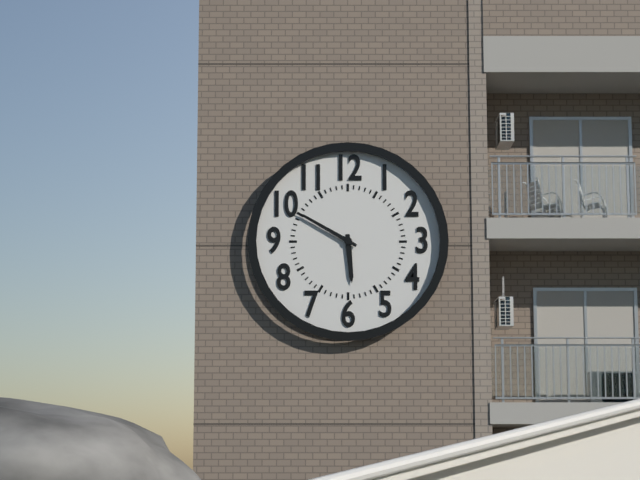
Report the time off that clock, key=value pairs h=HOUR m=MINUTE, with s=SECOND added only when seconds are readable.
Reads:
h=5 m=50
